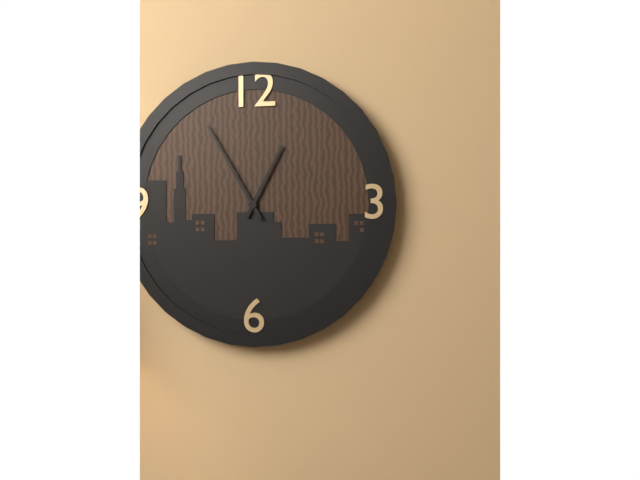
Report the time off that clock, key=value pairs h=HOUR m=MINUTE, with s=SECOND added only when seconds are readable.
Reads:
h=12 m=55
